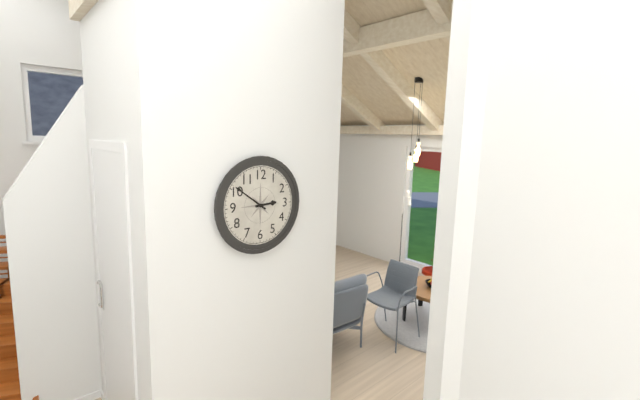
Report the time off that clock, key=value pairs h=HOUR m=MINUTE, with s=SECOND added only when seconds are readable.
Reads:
h=2 m=51
